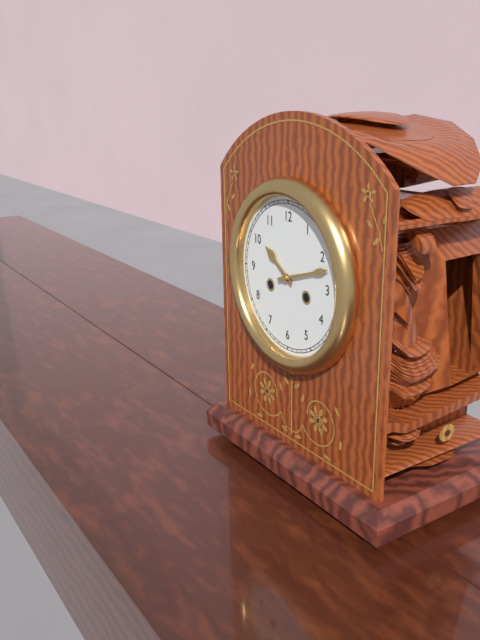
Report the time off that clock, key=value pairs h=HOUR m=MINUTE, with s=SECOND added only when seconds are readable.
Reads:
h=10 m=12
